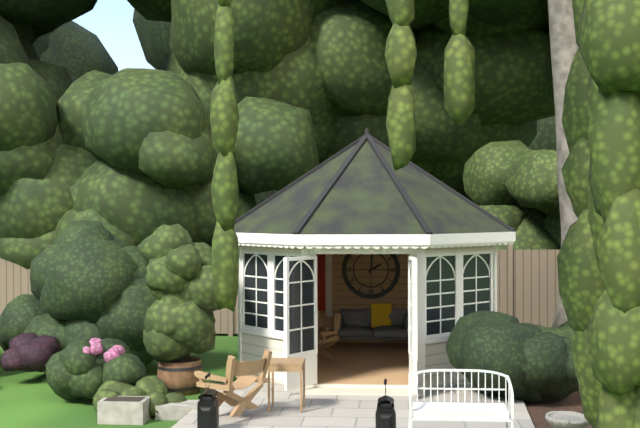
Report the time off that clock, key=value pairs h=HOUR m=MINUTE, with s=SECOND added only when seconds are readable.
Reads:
h=2 m=1
